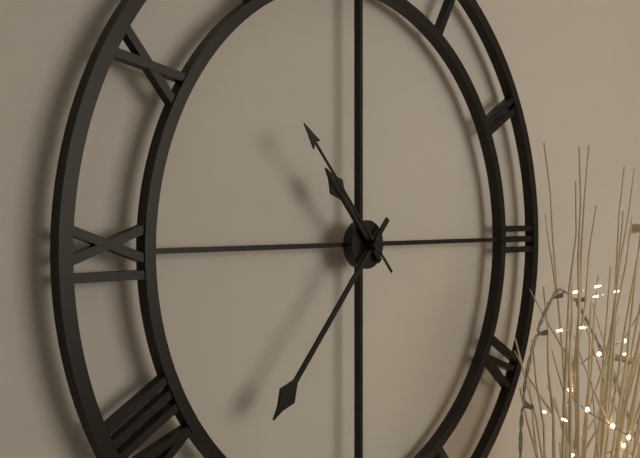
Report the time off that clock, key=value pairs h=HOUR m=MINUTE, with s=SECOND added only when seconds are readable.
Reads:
h=10 m=37 s=53
